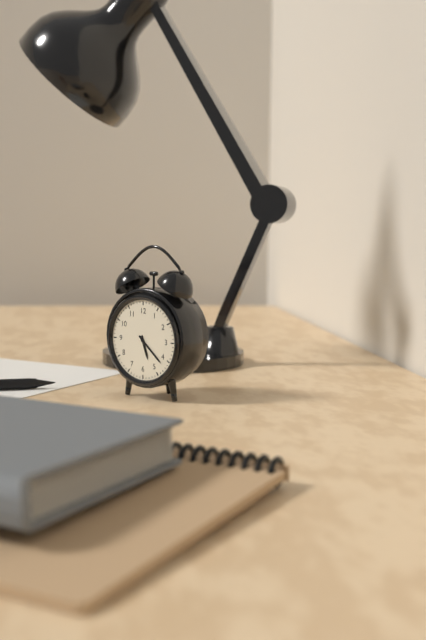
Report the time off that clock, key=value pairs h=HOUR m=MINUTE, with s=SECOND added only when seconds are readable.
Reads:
h=5 m=22
